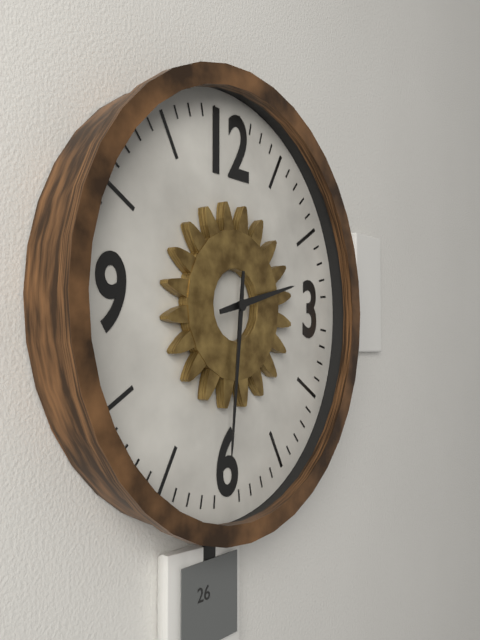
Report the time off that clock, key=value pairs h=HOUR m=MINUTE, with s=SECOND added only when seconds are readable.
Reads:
h=2 m=31
